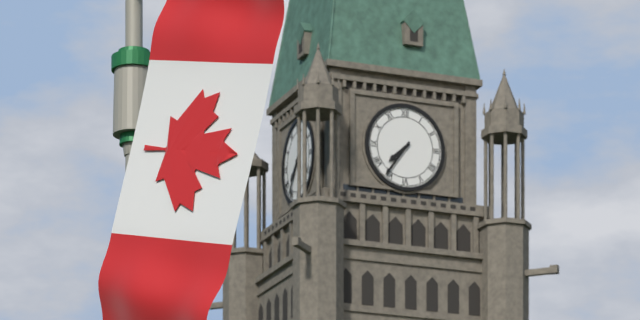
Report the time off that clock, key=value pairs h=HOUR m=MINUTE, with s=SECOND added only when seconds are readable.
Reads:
h=7 m=36
